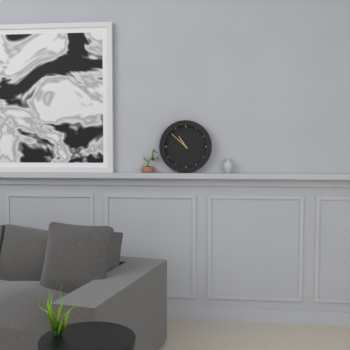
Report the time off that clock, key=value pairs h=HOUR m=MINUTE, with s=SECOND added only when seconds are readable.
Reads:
h=10 m=52
